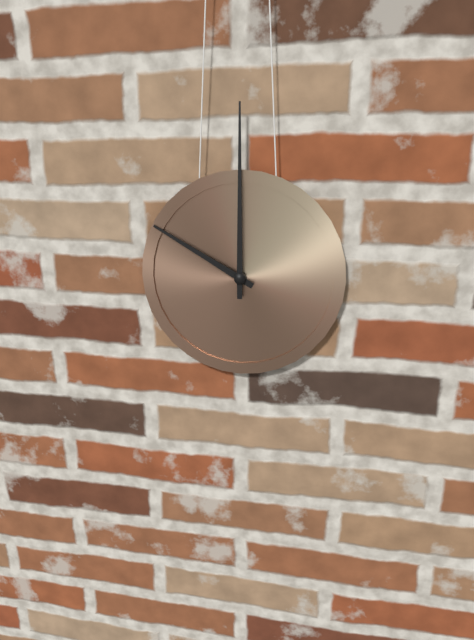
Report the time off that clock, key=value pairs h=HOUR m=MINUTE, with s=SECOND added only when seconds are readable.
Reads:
h=10 m=0
